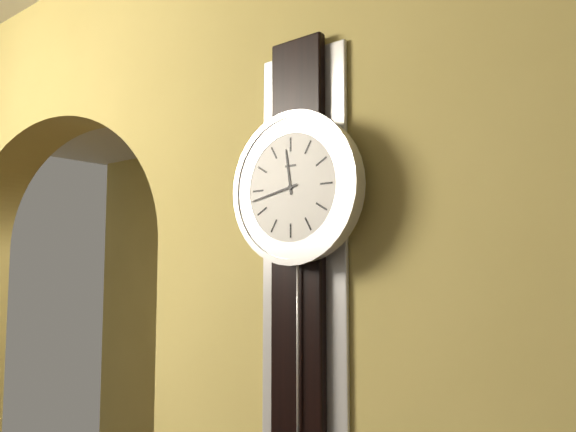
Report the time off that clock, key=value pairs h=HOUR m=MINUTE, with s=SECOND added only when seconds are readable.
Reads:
h=11 m=43
